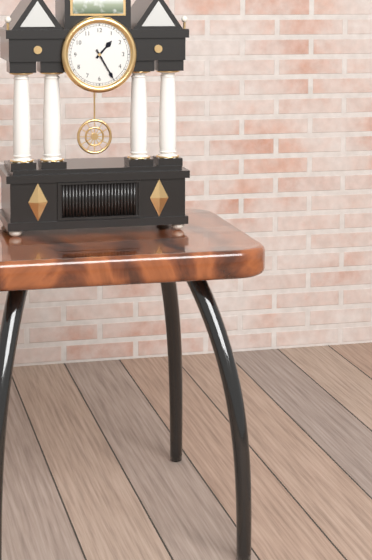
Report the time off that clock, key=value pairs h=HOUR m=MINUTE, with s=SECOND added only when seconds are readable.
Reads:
h=1 m=25
